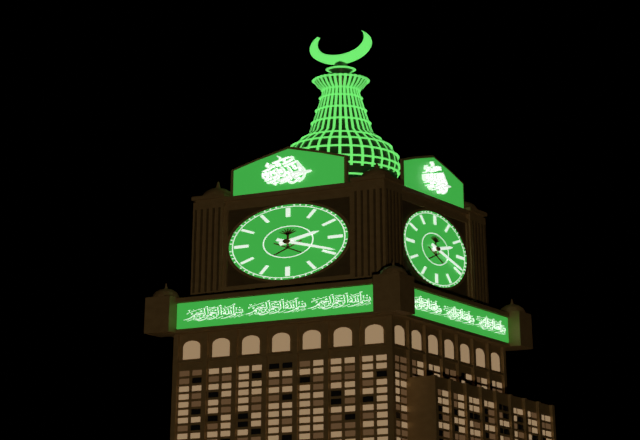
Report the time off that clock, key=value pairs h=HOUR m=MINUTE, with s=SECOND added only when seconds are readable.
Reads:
h=2 m=19
